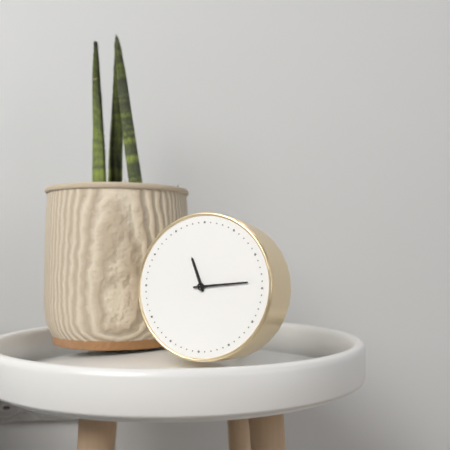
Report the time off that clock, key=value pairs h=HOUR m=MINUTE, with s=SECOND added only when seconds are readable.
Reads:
h=11 m=14
